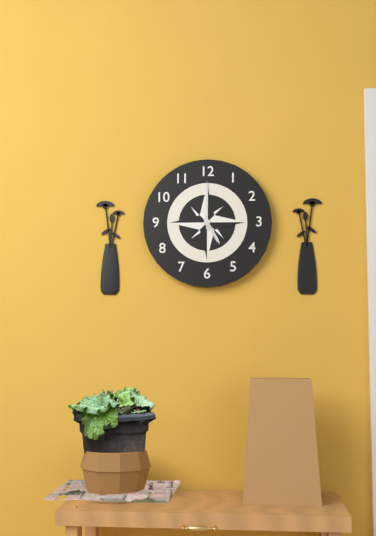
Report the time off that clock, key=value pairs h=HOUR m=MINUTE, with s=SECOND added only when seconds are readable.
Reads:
h=5 m=0
